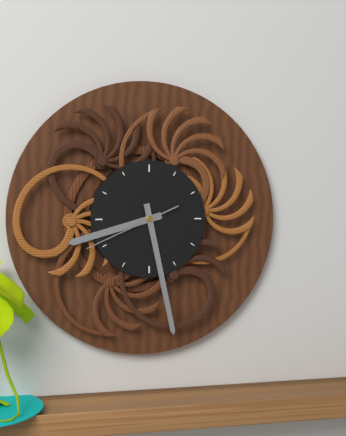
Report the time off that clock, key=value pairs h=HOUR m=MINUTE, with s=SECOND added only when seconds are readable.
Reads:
h=8 m=28 s=41
